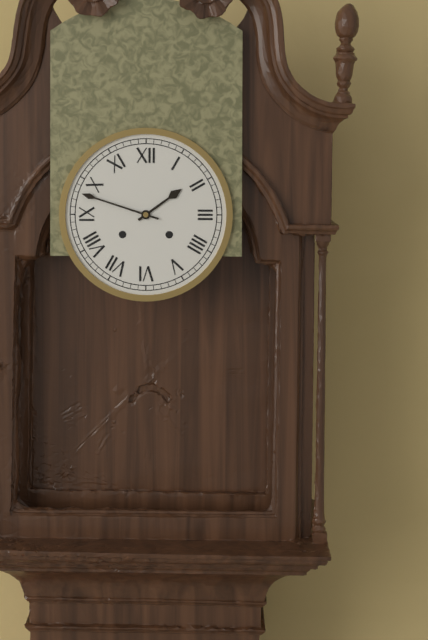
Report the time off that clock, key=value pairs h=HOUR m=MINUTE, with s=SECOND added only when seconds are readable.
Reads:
h=1 m=48
